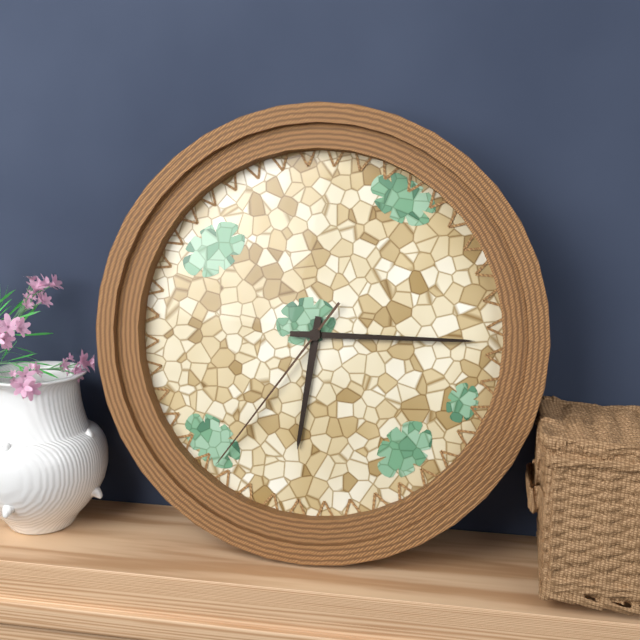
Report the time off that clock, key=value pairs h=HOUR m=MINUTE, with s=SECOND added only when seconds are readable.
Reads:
h=6 m=15 s=36
